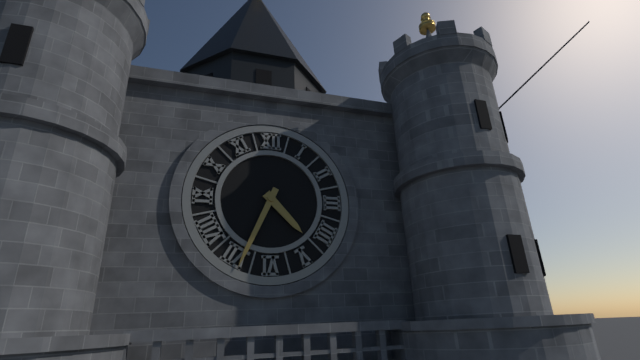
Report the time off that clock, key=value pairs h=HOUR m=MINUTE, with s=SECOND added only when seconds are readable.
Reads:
h=4 m=34
